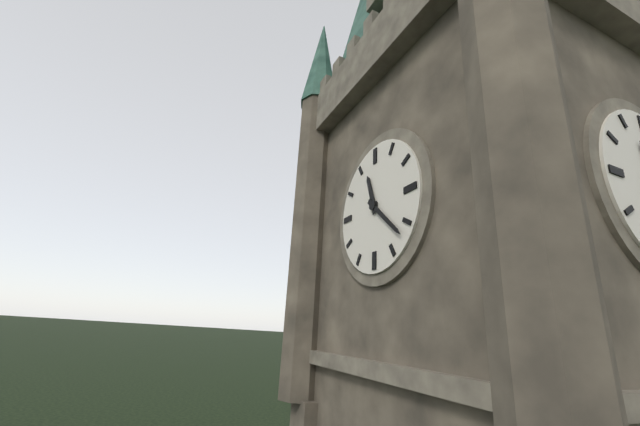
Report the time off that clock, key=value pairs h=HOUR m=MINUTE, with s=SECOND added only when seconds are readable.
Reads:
h=11 m=22
